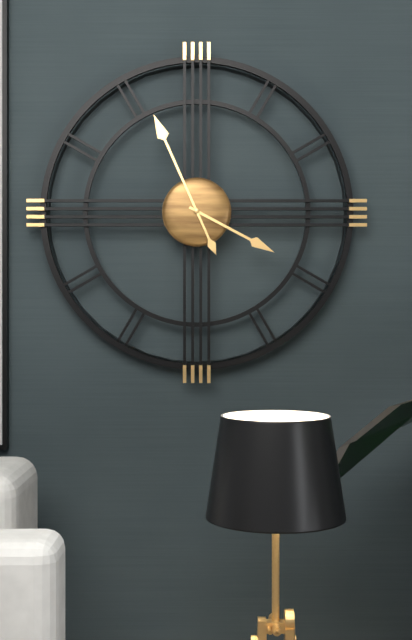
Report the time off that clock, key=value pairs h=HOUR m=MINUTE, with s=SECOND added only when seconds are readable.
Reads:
h=3 m=56
